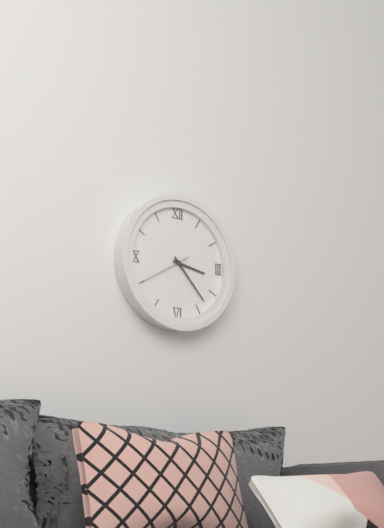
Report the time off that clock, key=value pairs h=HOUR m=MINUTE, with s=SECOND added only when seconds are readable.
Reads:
h=3 m=23 s=40
